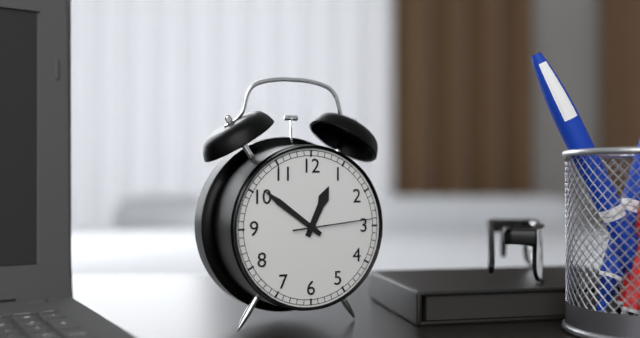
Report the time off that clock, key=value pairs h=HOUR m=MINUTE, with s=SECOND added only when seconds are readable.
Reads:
h=12 m=51 s=14
